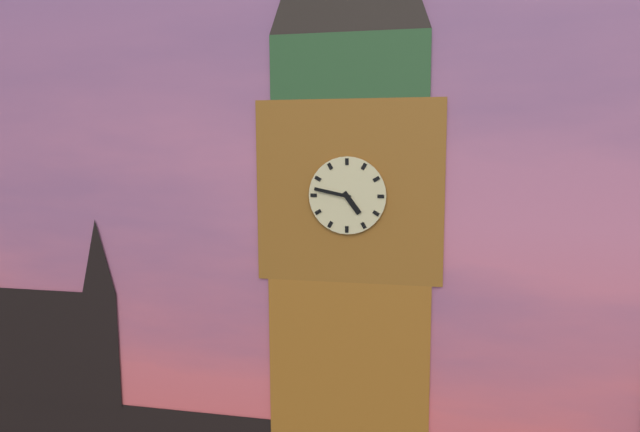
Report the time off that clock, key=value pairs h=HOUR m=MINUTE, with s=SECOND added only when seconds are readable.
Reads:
h=4 m=47
